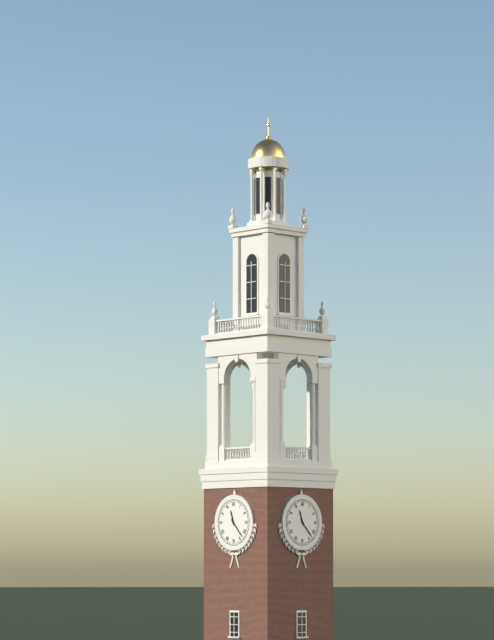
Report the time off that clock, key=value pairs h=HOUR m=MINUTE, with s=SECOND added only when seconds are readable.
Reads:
h=11 m=23
